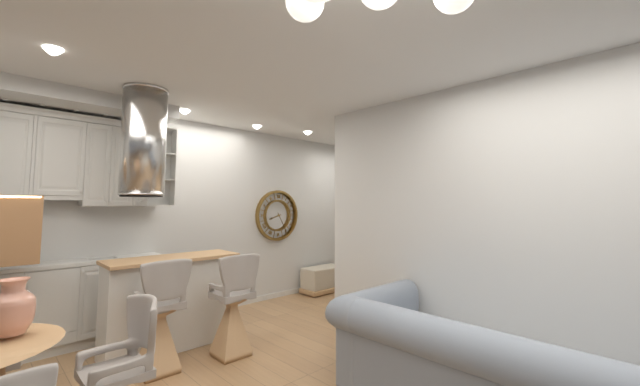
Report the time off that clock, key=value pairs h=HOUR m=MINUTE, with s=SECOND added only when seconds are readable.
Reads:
h=8 m=25
